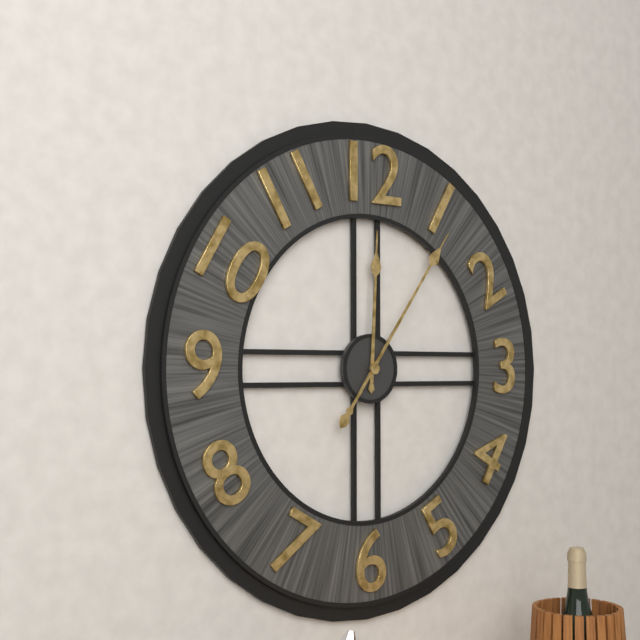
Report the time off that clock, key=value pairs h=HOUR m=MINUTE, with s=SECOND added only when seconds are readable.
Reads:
h=12 m=6
